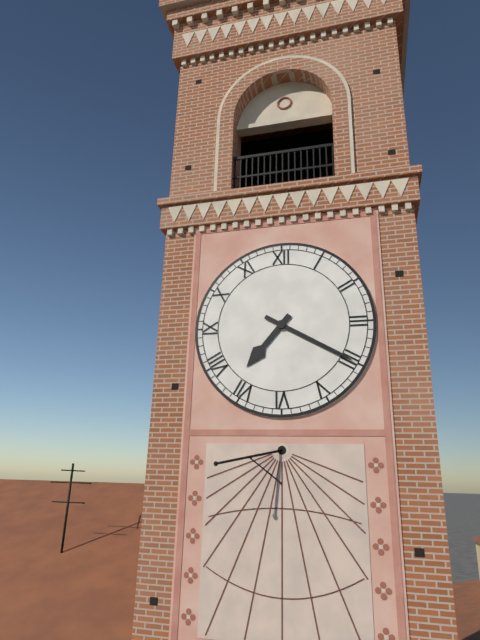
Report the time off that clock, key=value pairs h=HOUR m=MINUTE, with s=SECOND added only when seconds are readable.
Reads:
h=7 m=20
